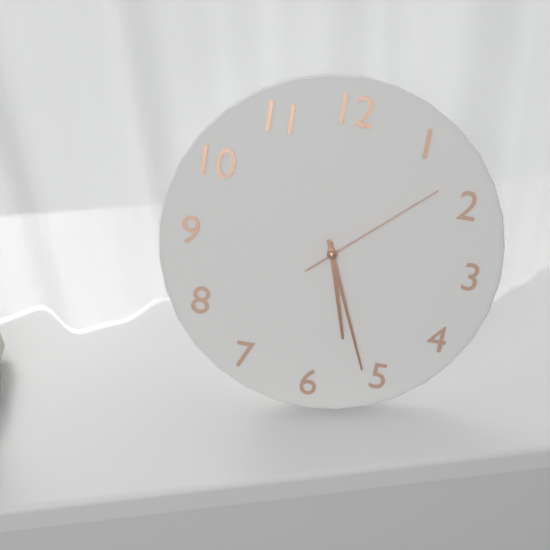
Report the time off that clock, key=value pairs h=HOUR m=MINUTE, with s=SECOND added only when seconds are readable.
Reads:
h=5 m=26 s=8
